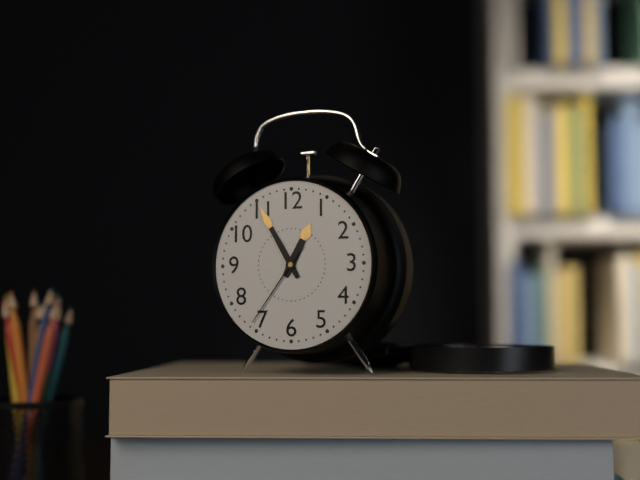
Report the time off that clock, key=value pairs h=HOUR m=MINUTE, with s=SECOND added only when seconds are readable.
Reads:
h=12 m=55 s=36
